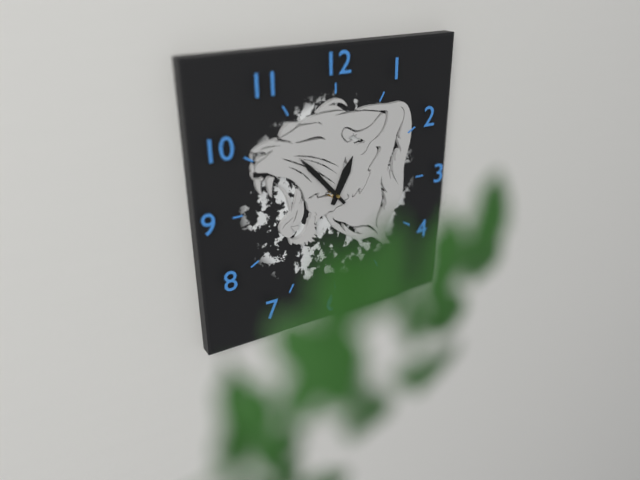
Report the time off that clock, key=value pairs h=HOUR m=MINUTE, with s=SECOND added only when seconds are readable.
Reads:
h=12 m=53
